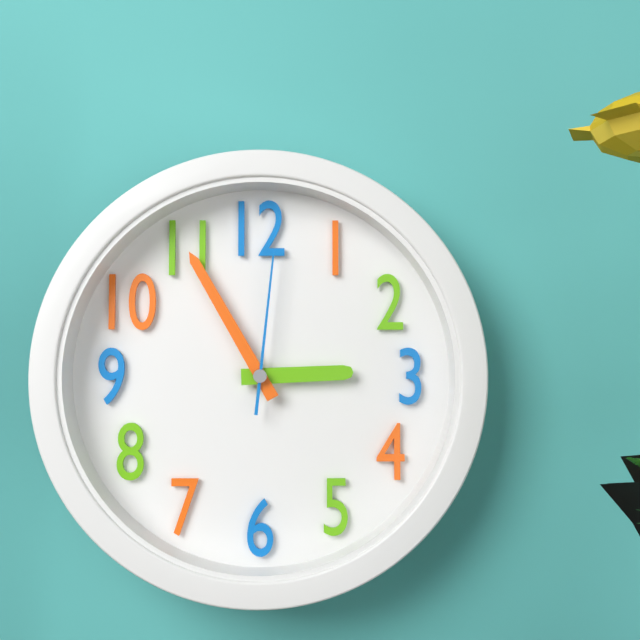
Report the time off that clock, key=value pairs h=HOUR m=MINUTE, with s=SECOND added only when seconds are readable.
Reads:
h=2 m=55 s=1
